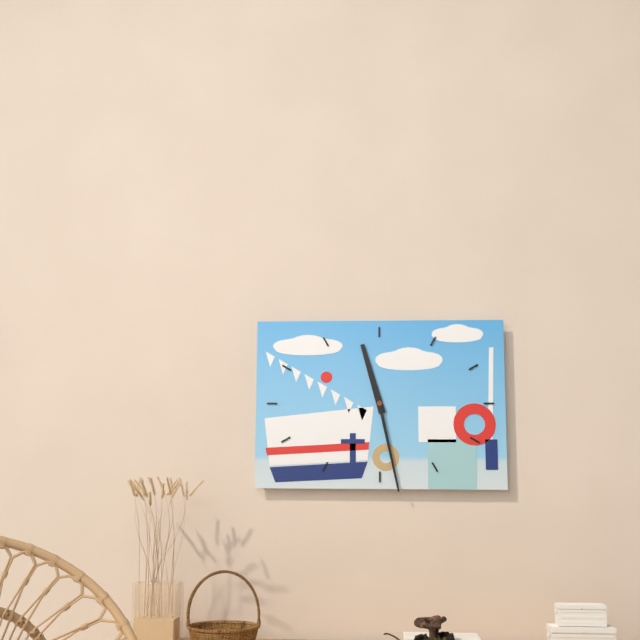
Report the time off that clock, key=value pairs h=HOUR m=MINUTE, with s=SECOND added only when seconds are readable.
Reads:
h=11 m=28
